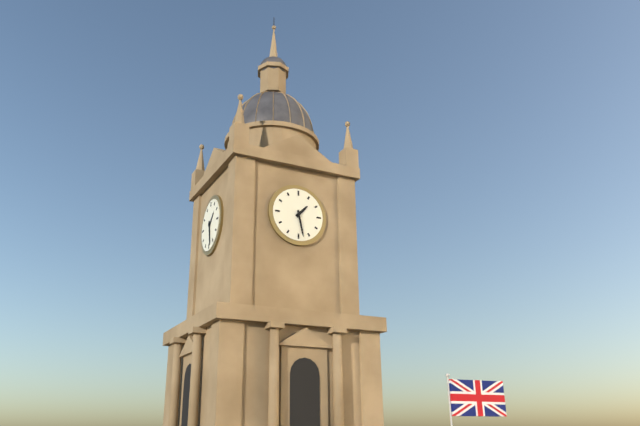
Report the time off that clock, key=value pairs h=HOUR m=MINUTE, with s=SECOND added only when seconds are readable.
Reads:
h=1 m=28
